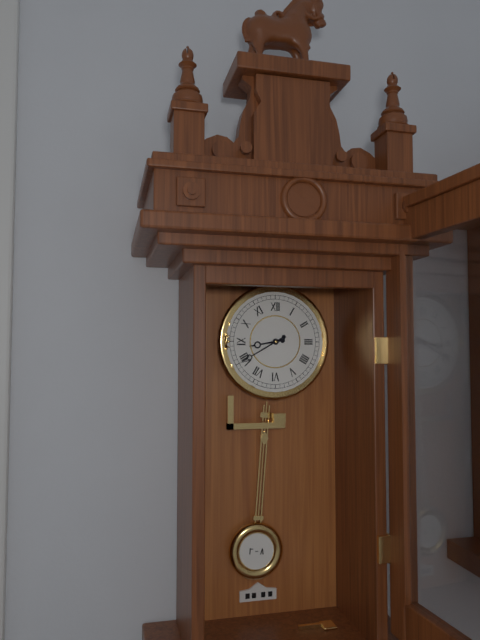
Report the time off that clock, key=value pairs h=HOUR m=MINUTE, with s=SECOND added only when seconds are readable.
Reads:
h=8 m=40
